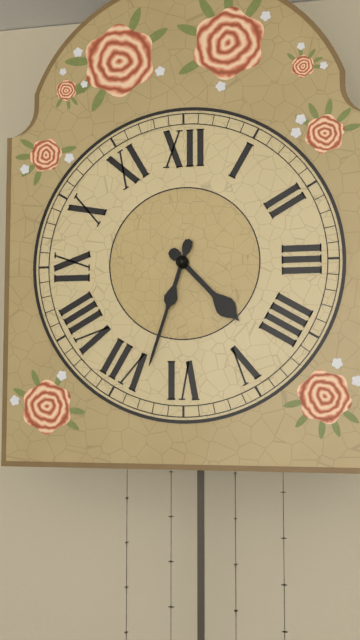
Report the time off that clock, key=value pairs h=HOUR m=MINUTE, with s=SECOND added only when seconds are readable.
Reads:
h=4 m=33
